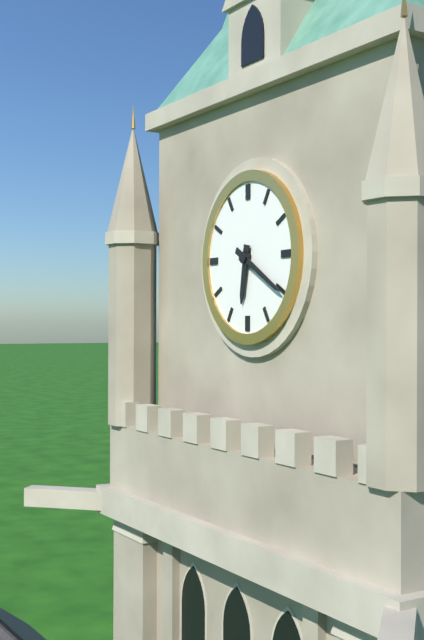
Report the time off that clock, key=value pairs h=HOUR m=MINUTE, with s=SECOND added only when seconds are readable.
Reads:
h=6 m=20
